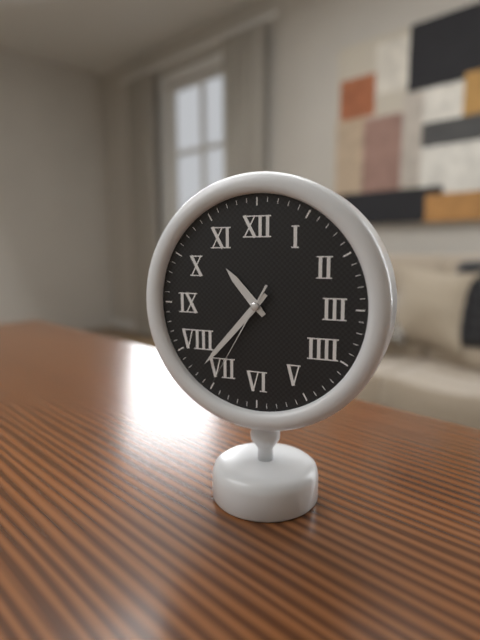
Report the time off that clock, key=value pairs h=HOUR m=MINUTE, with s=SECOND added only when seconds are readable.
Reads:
h=10 m=37 s=35
